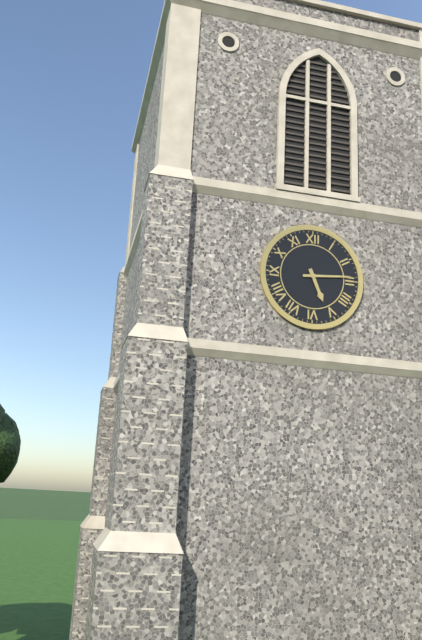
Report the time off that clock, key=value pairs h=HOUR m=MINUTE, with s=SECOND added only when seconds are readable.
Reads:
h=5 m=14
